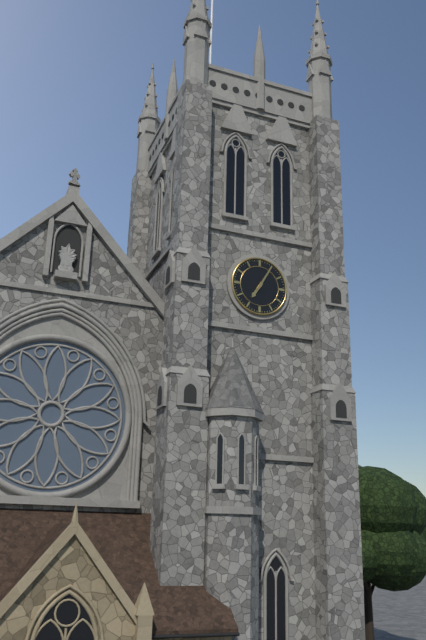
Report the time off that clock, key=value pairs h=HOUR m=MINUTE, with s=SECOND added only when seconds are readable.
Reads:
h=7 m=5
